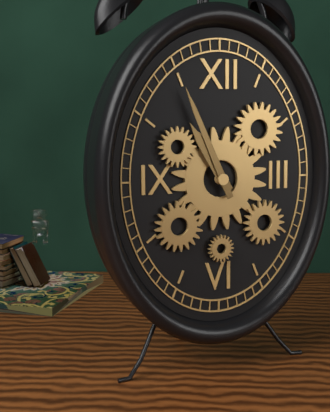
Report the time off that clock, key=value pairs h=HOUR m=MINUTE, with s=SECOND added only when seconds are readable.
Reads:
h=10 m=56
